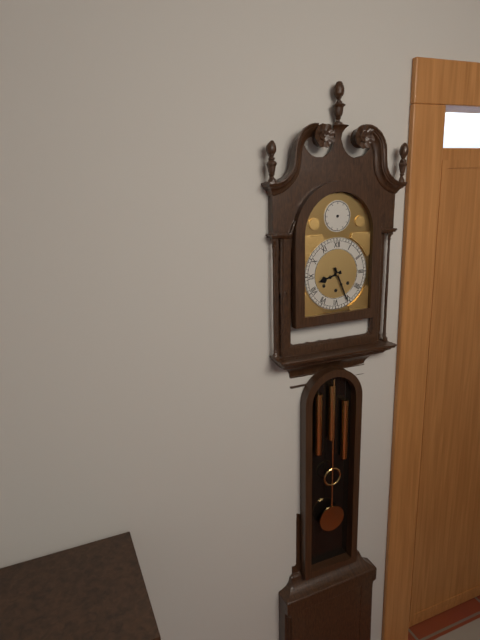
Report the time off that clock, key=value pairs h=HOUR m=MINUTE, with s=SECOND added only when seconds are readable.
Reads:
h=8 m=26
